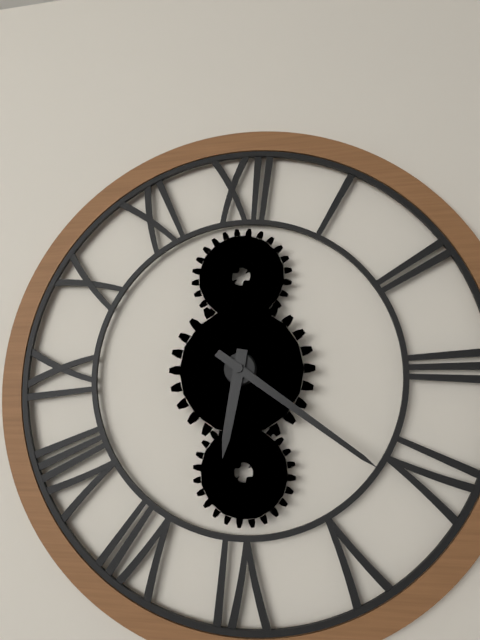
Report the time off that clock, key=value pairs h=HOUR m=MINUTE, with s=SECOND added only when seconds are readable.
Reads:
h=6 m=21
